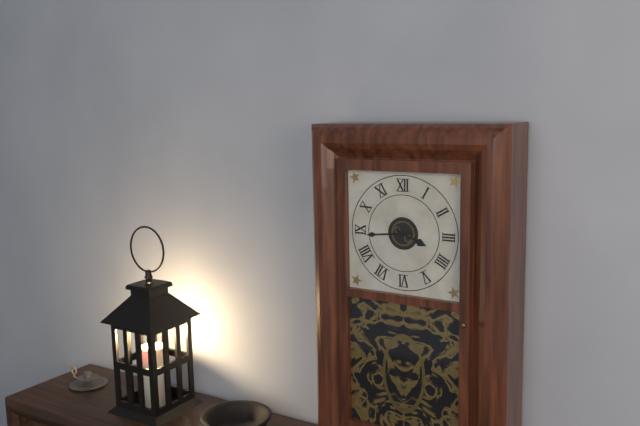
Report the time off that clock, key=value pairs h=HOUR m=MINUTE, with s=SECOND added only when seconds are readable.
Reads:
h=3 m=44
